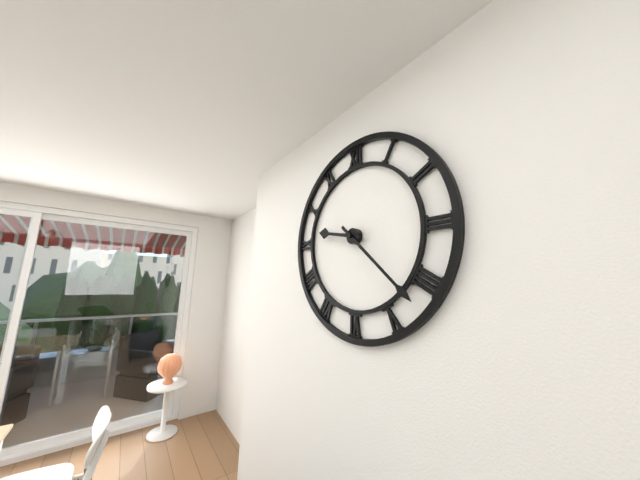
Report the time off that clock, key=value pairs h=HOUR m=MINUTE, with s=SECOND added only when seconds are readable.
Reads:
h=9 m=22
